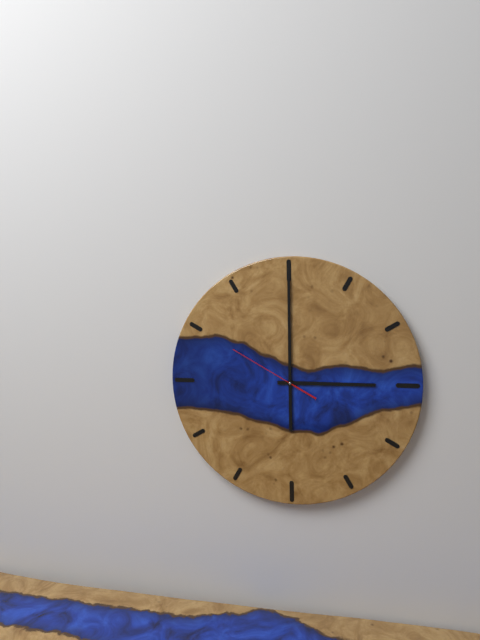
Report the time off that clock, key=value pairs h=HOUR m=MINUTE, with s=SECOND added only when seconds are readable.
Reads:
h=3 m=0 s=50
